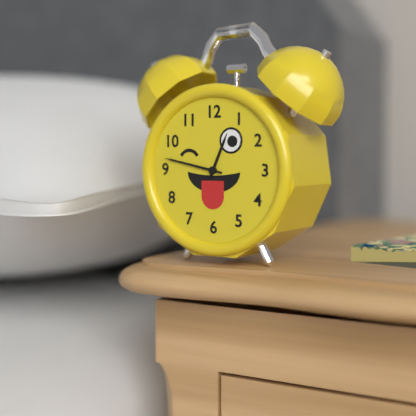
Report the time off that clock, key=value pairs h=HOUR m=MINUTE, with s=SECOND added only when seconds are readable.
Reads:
h=12 m=47
